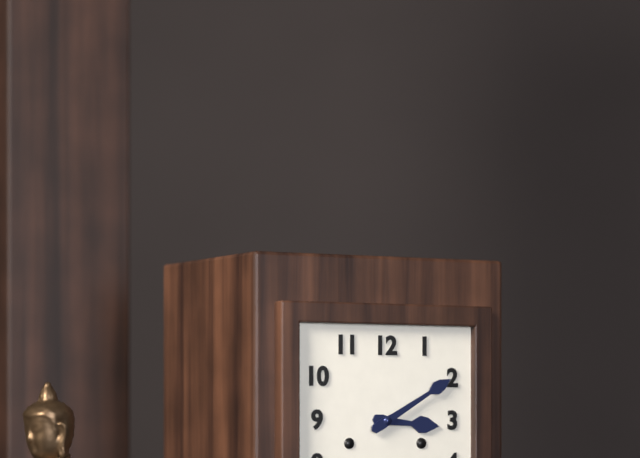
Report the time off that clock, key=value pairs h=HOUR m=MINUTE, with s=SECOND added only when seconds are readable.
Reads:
h=3 m=10
